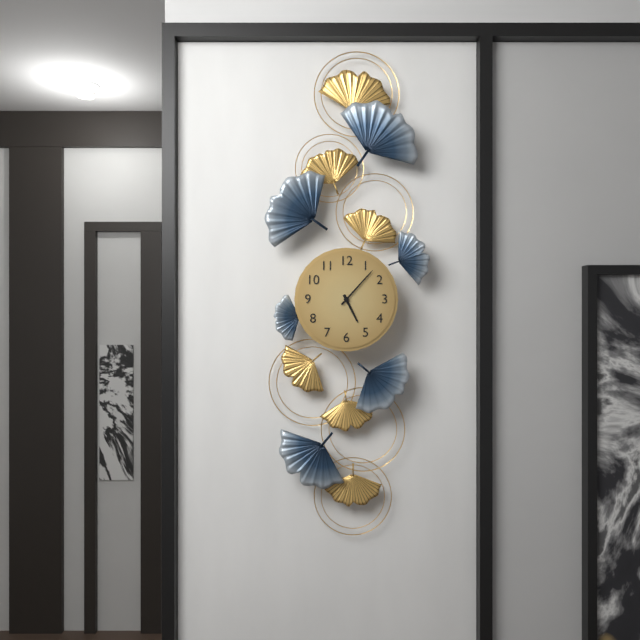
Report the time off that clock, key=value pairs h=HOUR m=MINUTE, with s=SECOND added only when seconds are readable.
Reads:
h=5 m=7
